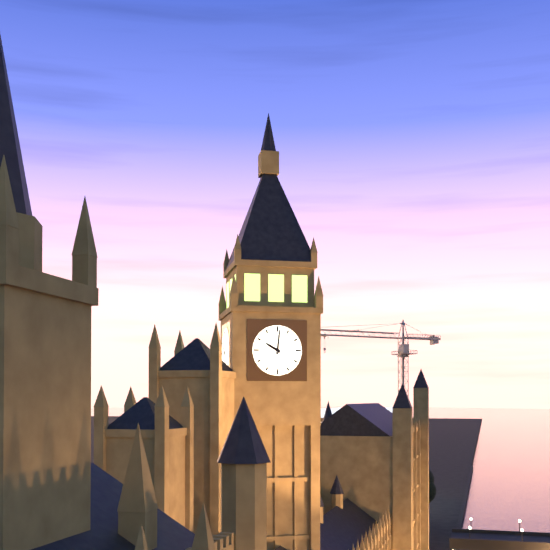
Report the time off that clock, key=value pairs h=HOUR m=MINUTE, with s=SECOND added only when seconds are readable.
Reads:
h=10 m=1
